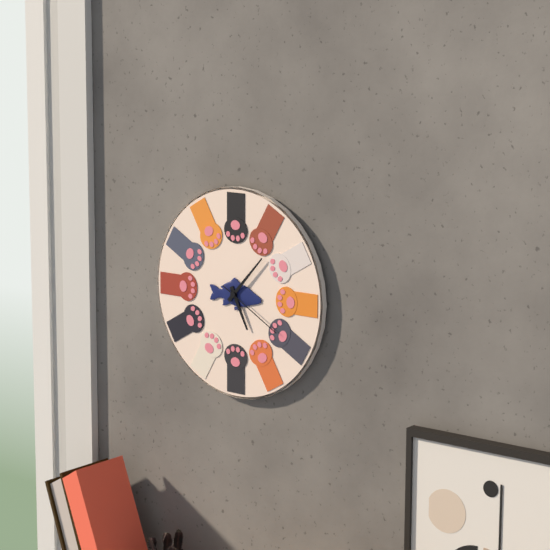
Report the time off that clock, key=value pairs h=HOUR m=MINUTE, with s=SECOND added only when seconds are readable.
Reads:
h=5 m=7 s=20
